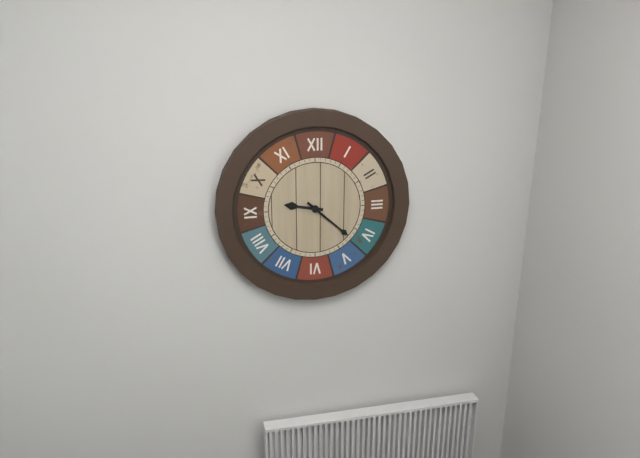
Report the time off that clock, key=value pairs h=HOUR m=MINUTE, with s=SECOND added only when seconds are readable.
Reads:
h=9 m=22
